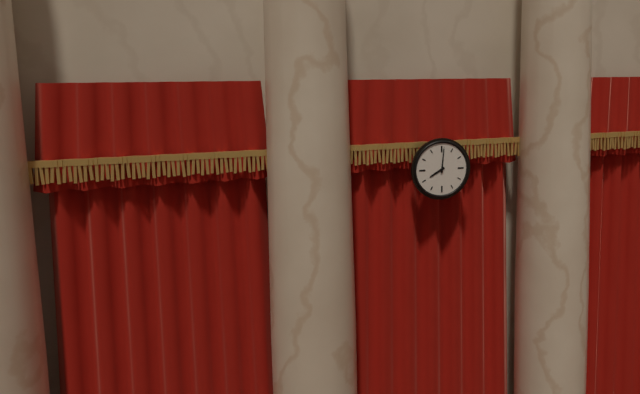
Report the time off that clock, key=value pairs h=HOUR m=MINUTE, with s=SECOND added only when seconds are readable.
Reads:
h=8 m=1
